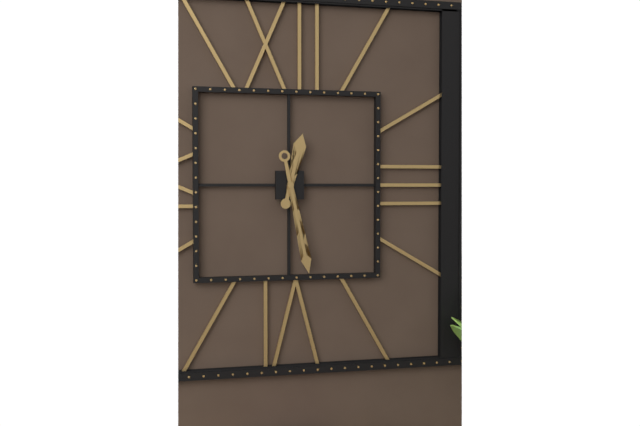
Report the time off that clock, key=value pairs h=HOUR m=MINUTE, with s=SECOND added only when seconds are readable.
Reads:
h=12 m=28
